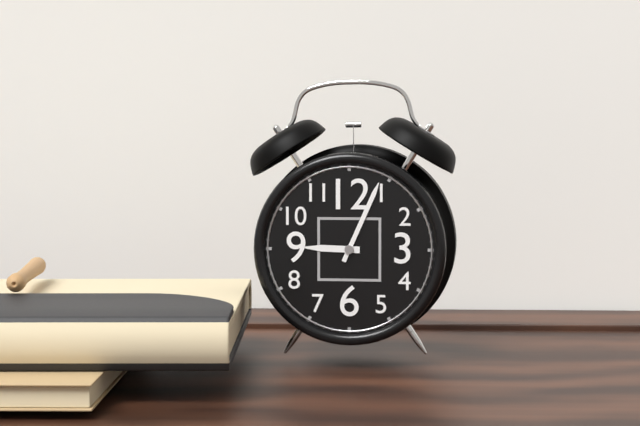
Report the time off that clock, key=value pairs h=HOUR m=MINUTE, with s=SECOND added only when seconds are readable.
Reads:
h=9 m=4
